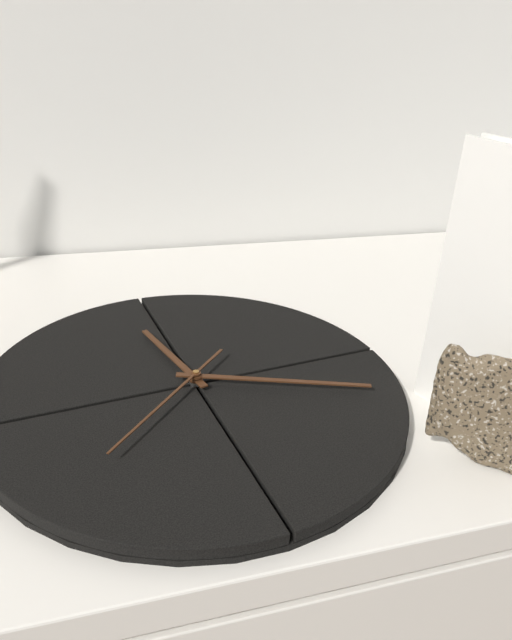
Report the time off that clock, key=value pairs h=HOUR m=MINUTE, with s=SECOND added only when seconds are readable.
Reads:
h=12 m=23 s=42
